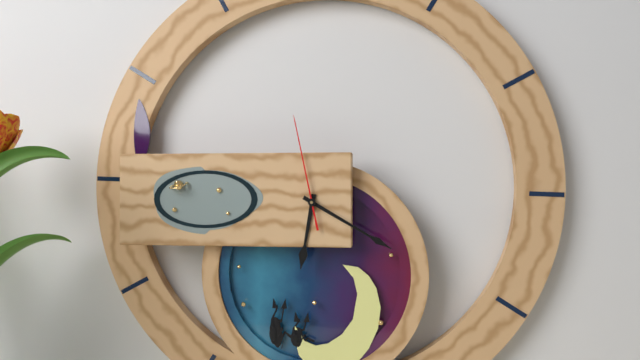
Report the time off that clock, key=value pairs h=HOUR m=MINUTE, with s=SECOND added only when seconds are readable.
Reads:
h=6 m=20 s=58
